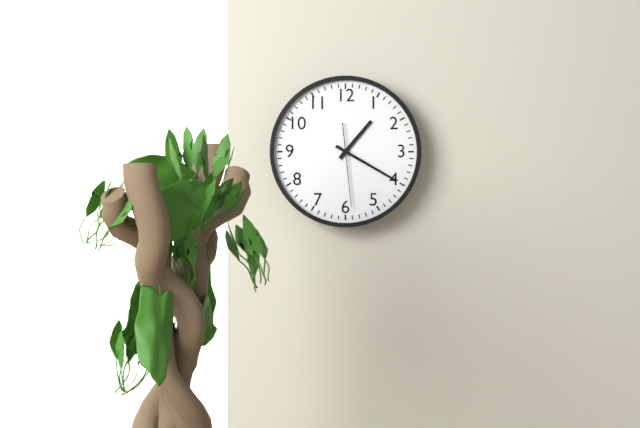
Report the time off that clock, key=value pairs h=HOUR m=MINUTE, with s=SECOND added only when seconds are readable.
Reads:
h=1 m=20 s=29
